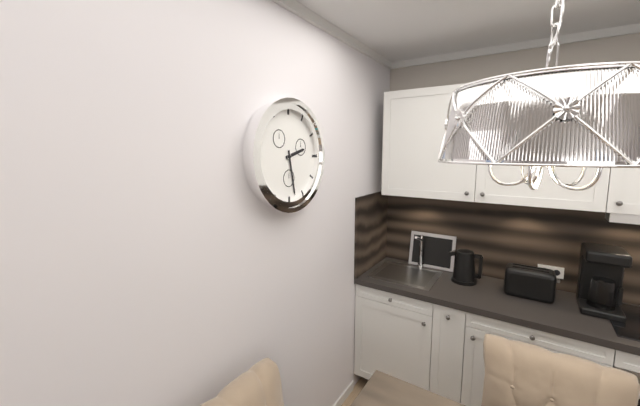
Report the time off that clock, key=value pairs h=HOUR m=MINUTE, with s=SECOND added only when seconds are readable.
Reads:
h=2 m=28
